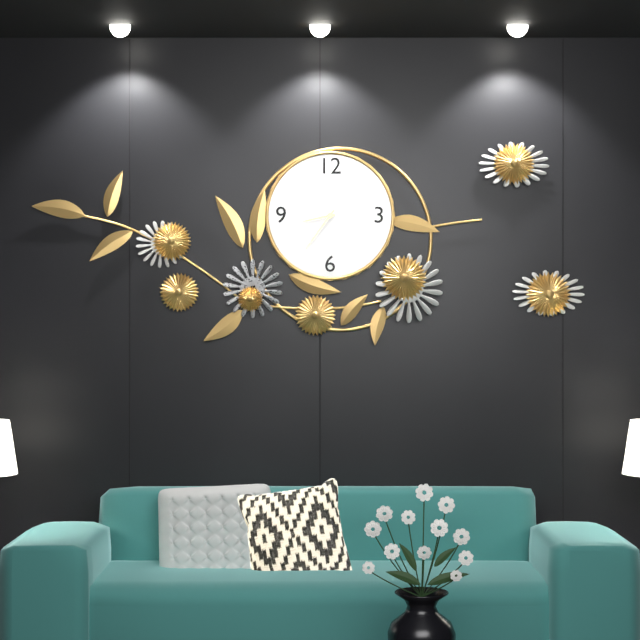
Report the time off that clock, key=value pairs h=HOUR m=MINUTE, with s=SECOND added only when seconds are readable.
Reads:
h=8 m=36
